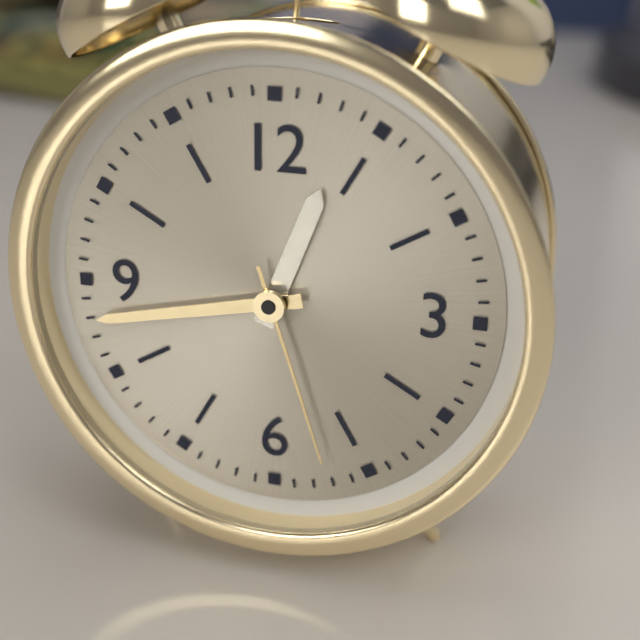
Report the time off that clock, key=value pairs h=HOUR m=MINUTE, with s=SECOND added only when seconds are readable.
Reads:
h=12 m=43 s=27
